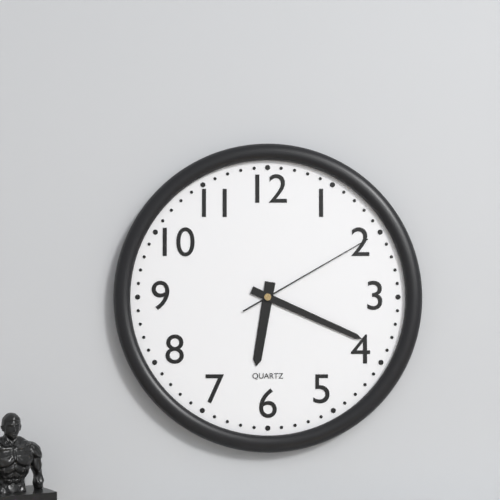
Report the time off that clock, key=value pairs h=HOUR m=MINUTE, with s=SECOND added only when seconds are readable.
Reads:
h=6 m=19 s=10
